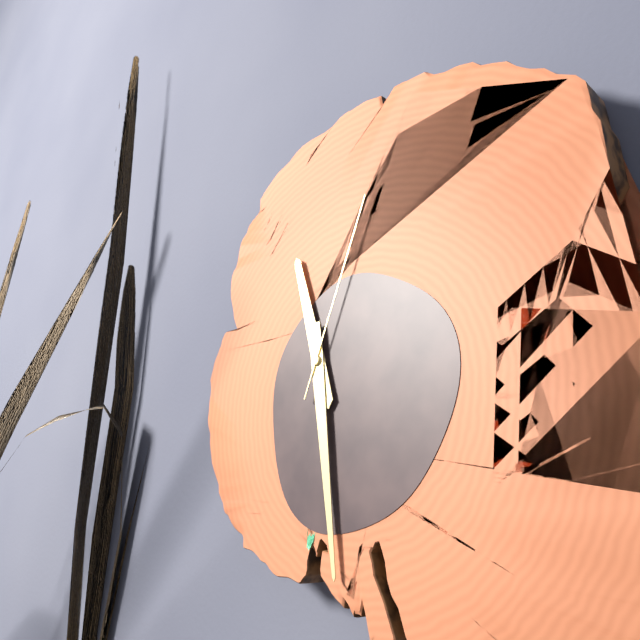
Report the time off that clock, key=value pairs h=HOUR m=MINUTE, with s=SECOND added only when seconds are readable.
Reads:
h=11 m=29 s=4
